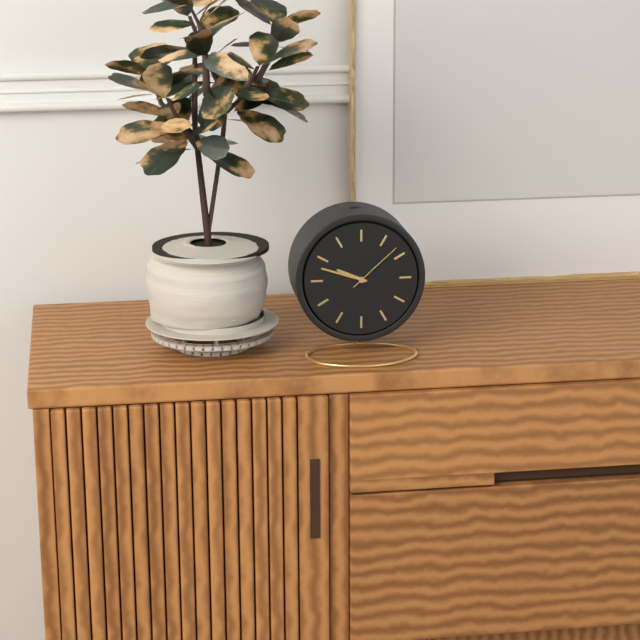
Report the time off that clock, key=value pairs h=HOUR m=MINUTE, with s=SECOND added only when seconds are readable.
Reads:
h=9 m=48 s=8
